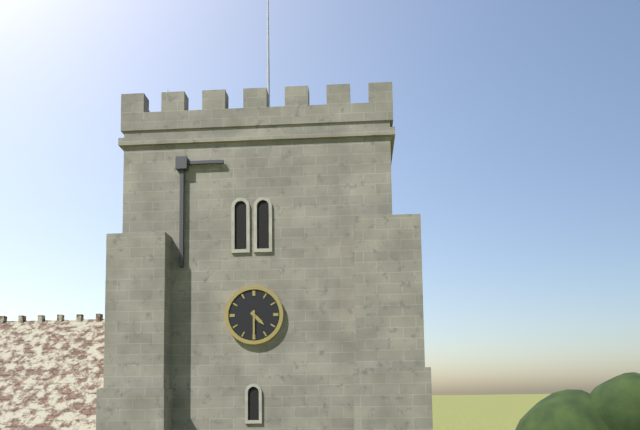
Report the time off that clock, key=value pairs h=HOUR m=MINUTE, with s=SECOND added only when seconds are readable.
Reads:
h=4 m=30
